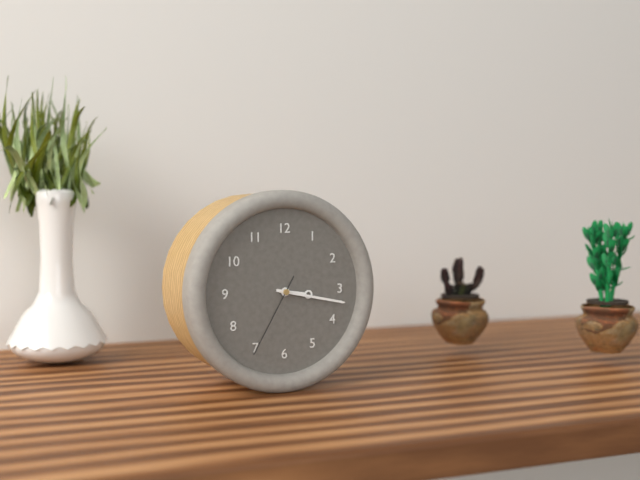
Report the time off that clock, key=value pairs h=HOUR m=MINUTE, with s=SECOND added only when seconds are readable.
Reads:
h=3 m=17 s=35
